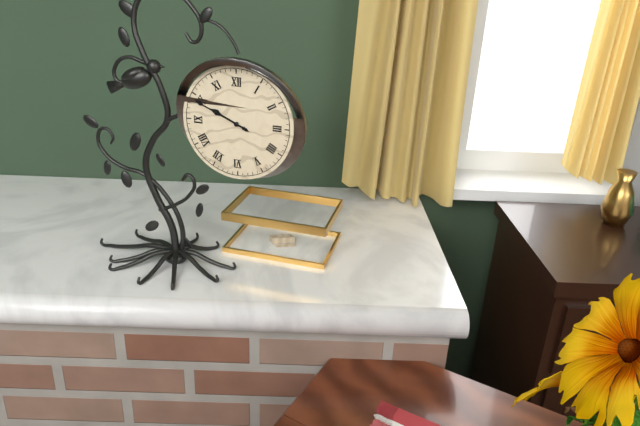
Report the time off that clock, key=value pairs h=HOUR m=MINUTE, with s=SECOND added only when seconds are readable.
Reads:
h=9 m=49
